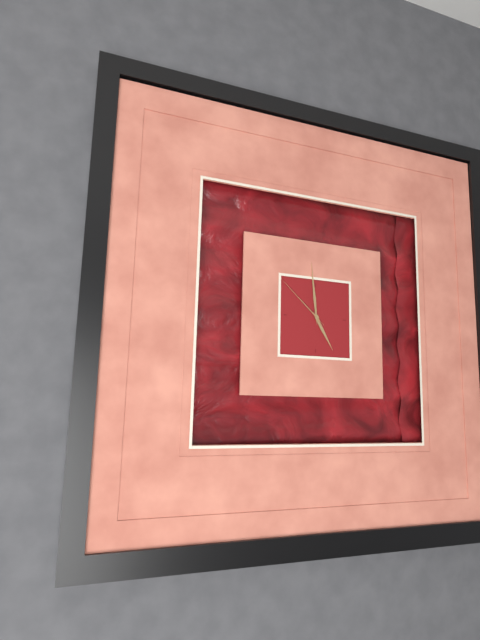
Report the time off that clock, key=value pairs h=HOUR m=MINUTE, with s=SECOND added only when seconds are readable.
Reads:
h=4 m=59 s=52
